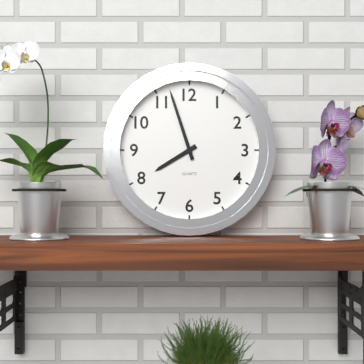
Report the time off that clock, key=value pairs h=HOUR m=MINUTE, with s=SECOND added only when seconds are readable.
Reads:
h=7 m=57
